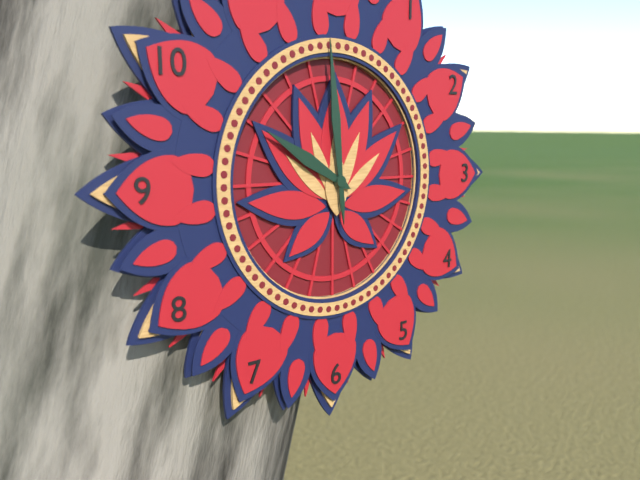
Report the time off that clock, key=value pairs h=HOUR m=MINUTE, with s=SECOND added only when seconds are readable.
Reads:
h=9 m=59
